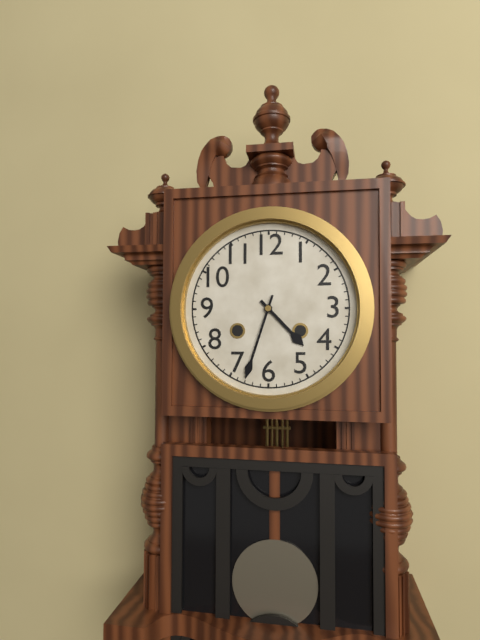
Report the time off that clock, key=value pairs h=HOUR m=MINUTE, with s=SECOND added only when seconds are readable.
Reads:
h=4 m=33
